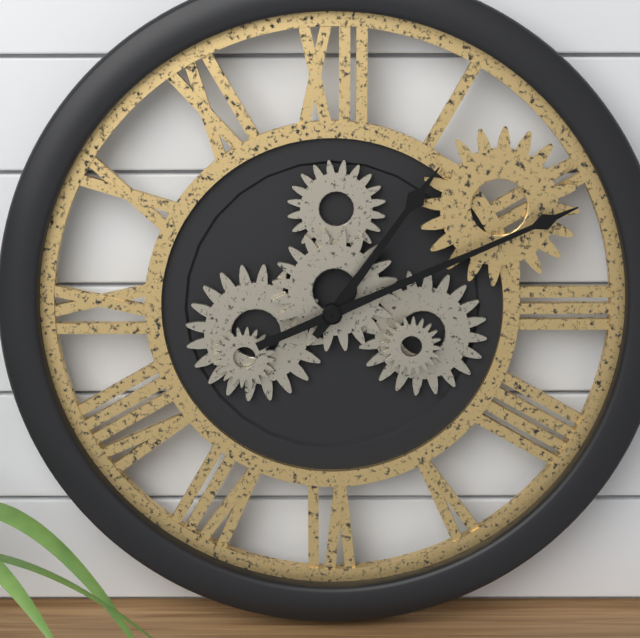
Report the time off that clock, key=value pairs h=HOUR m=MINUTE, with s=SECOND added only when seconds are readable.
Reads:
h=1 m=11
